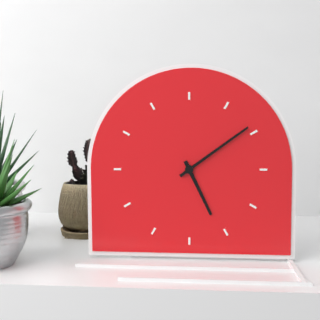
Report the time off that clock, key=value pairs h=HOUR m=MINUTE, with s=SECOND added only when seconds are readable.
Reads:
h=5 m=9
